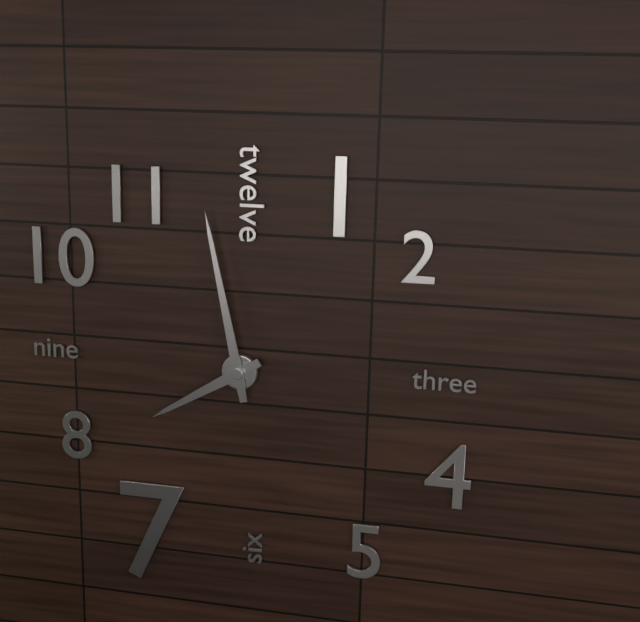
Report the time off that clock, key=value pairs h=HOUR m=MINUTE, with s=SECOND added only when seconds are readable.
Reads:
h=7 m=58
